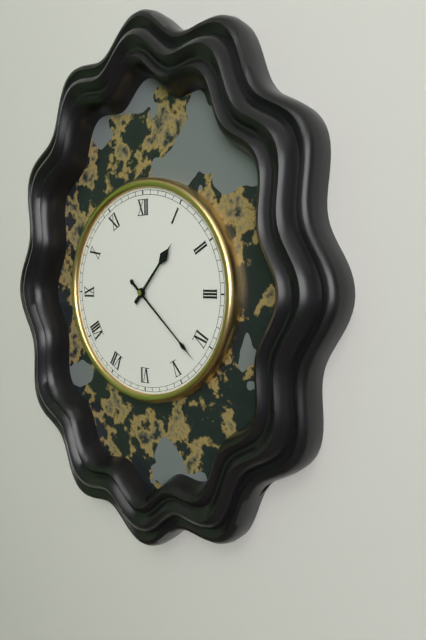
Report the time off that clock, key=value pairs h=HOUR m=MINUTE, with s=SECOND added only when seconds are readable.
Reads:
h=1 m=22
